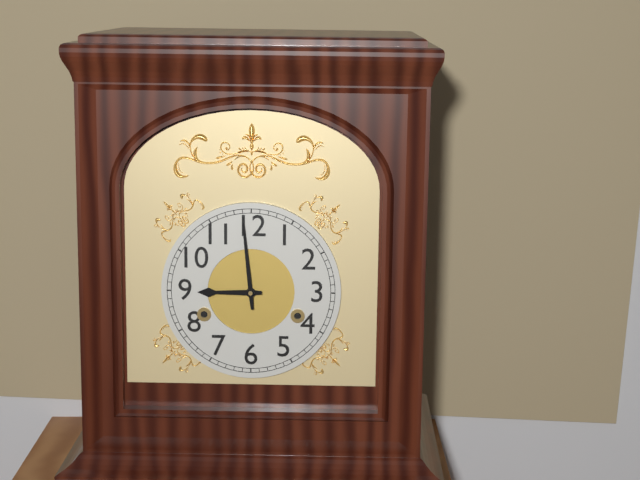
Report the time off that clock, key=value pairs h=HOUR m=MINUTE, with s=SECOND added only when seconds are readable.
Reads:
h=8 m=59
